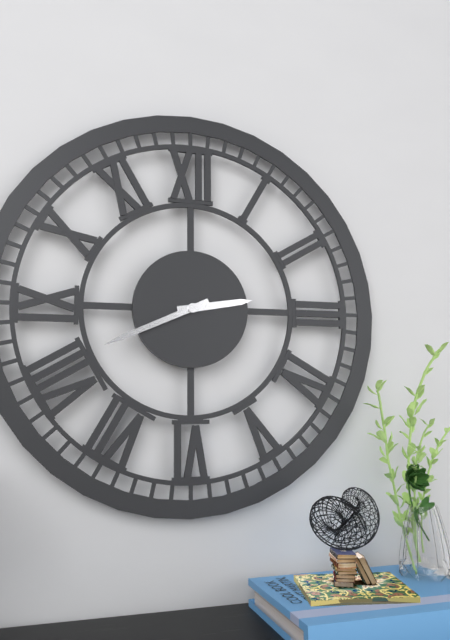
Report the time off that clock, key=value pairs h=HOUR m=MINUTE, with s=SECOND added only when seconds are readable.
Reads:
h=2 m=41
